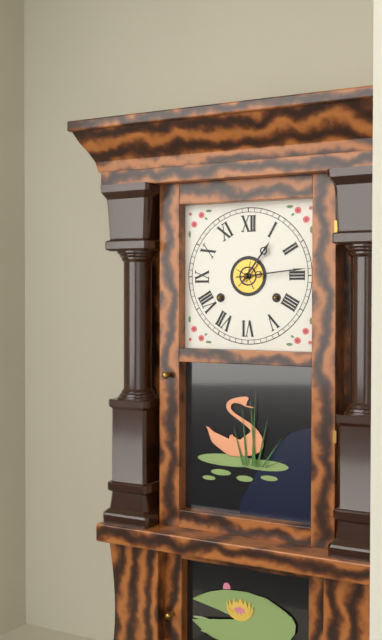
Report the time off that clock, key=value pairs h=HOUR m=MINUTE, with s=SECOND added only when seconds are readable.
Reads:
h=1 m=14
